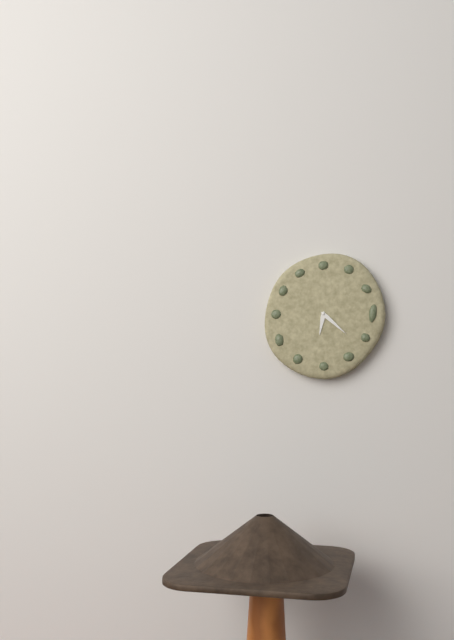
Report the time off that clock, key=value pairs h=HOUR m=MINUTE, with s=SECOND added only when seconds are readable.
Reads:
h=6 m=22
